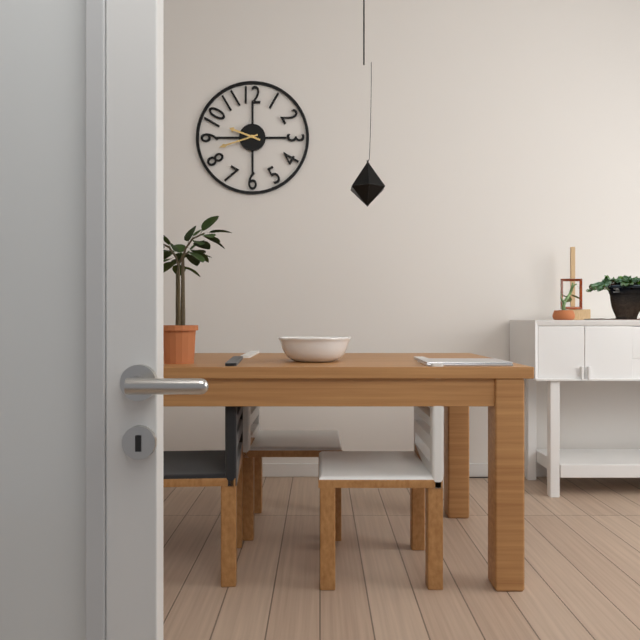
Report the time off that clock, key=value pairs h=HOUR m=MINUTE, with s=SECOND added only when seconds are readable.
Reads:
h=9 m=42
